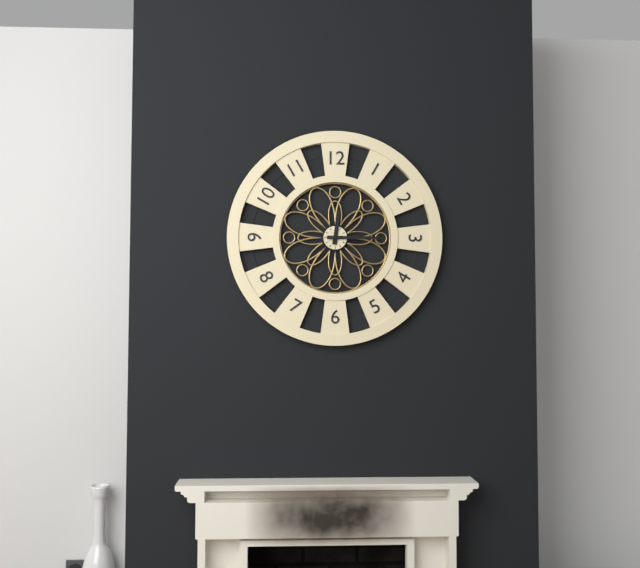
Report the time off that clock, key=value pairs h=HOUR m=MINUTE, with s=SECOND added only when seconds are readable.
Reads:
h=12 m=15
